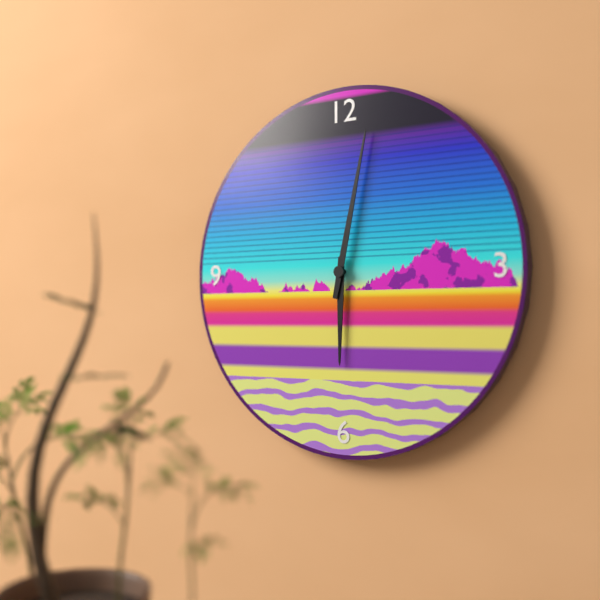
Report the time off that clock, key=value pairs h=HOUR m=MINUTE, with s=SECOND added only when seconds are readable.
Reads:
h=6 m=2
